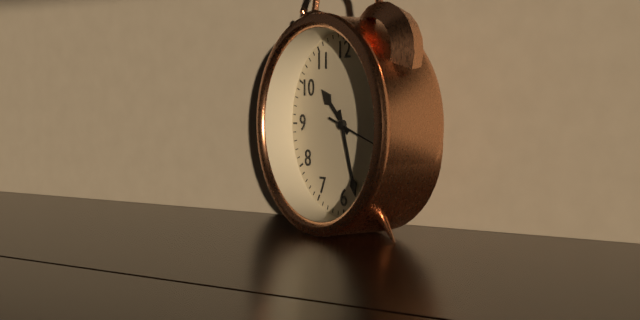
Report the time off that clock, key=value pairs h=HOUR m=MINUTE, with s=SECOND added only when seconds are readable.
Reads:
h=10 m=27
